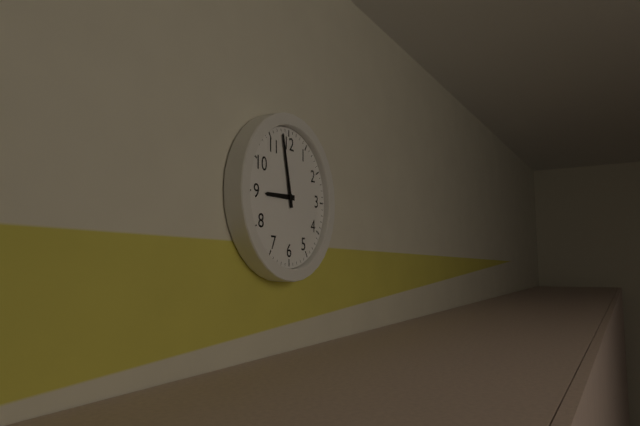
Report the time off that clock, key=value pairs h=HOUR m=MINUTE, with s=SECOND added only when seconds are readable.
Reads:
h=8 m=58
